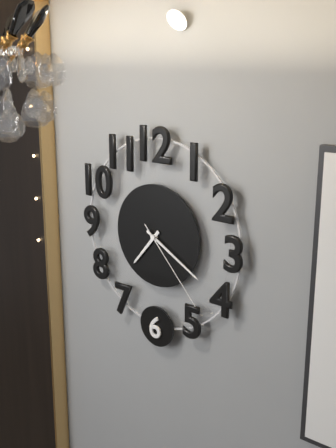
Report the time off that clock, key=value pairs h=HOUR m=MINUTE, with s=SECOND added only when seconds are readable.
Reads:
h=7 m=20 s=23
